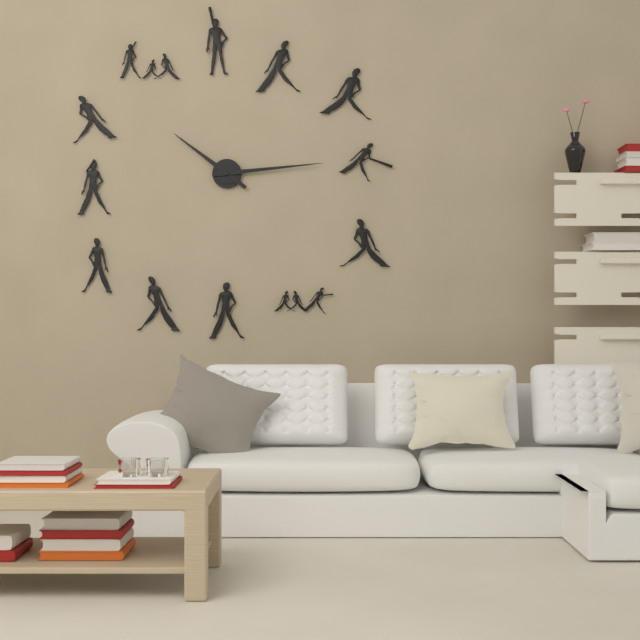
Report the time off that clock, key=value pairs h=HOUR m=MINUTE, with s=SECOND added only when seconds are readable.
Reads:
h=10 m=14
